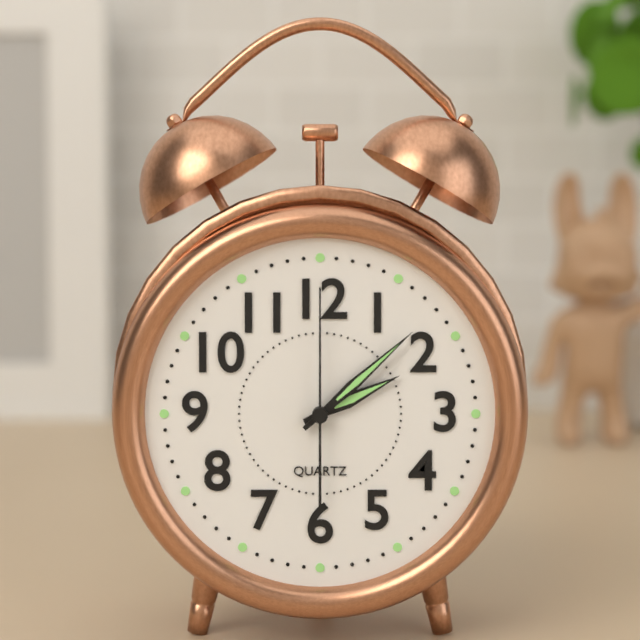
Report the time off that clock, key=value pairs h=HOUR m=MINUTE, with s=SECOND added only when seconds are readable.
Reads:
h=2 m=8 s=0
